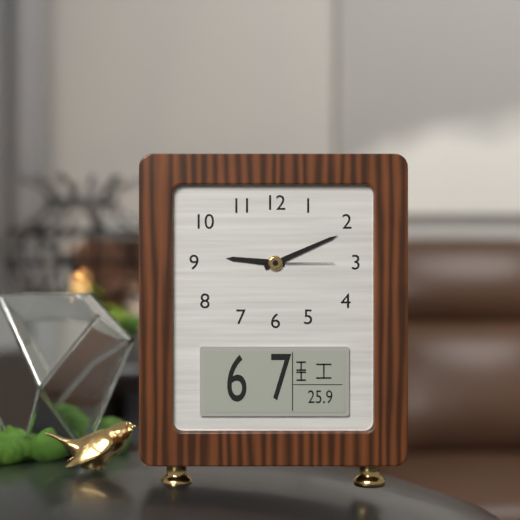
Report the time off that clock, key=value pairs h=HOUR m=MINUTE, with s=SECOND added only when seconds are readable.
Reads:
h=9 m=11 s=15
